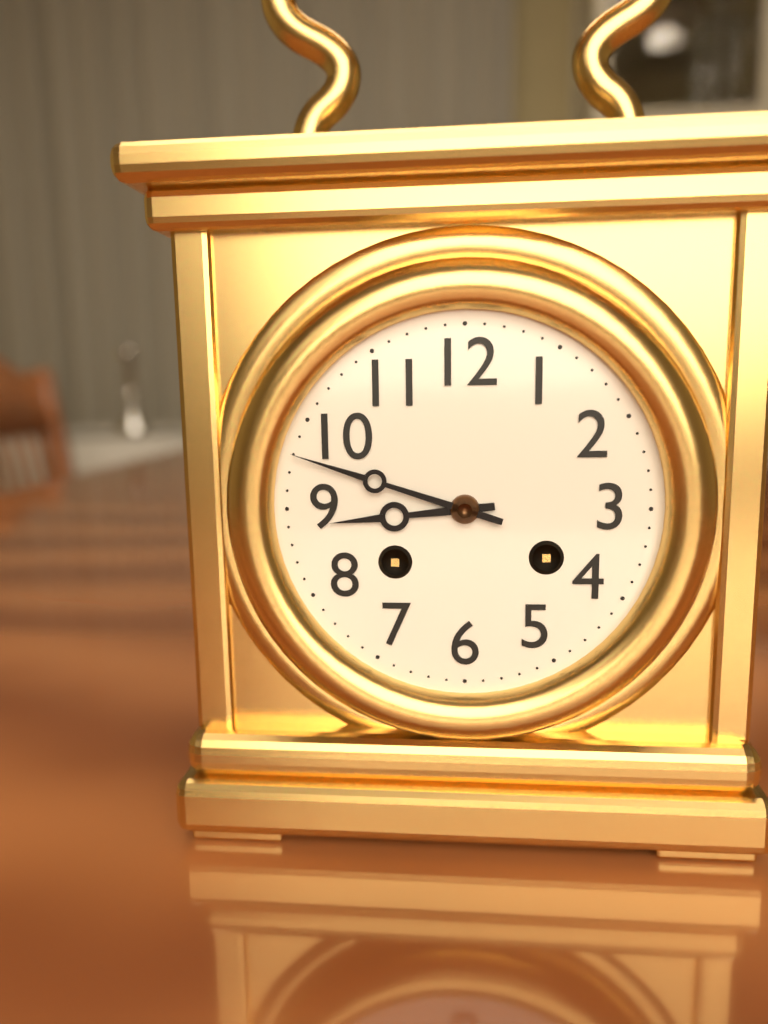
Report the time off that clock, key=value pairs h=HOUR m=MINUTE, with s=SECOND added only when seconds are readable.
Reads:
h=8 m=48
